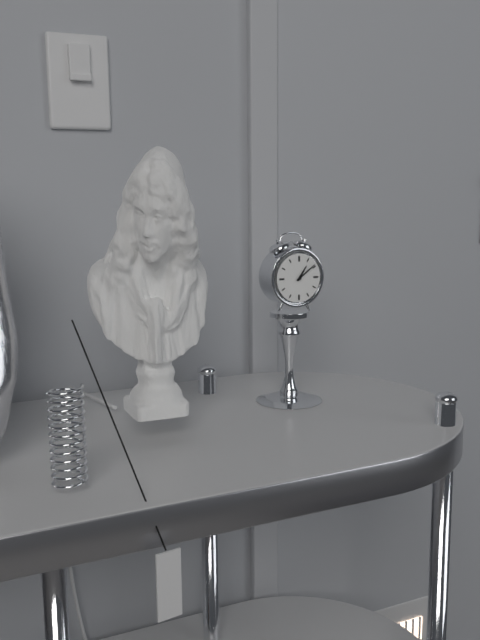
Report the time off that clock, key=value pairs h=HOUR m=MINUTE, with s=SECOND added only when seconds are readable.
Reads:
h=1 m=9
